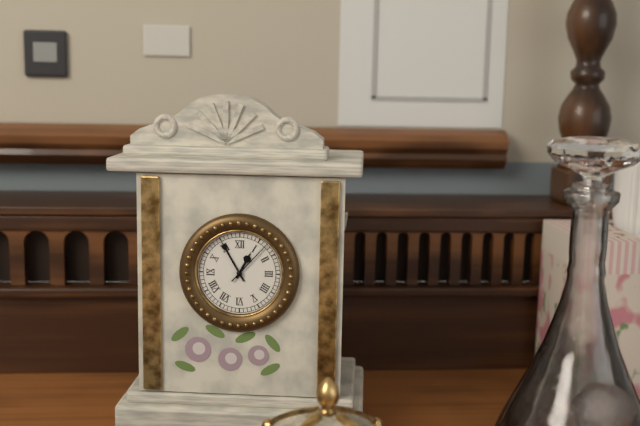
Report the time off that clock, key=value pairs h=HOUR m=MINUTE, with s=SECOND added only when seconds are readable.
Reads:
h=12 m=55
